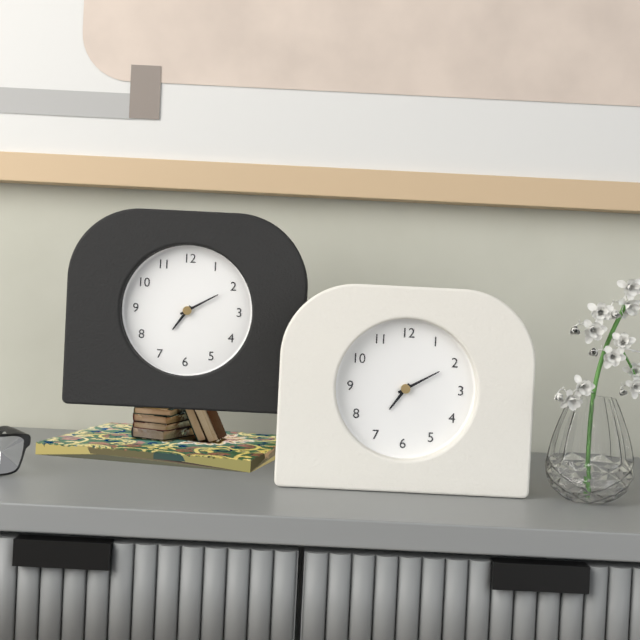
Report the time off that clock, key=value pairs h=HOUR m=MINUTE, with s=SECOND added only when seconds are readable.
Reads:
h=7 m=10
